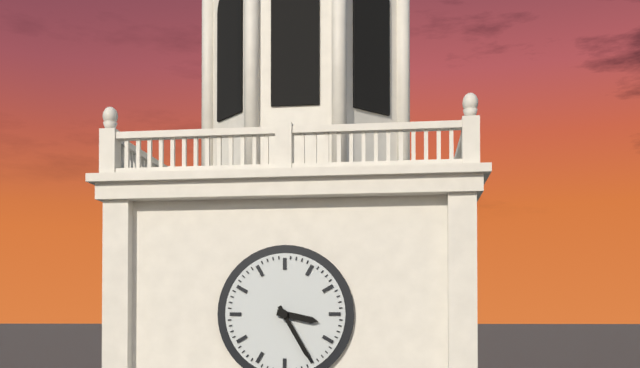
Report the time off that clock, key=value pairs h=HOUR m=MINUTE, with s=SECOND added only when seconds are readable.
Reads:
h=3 m=25
